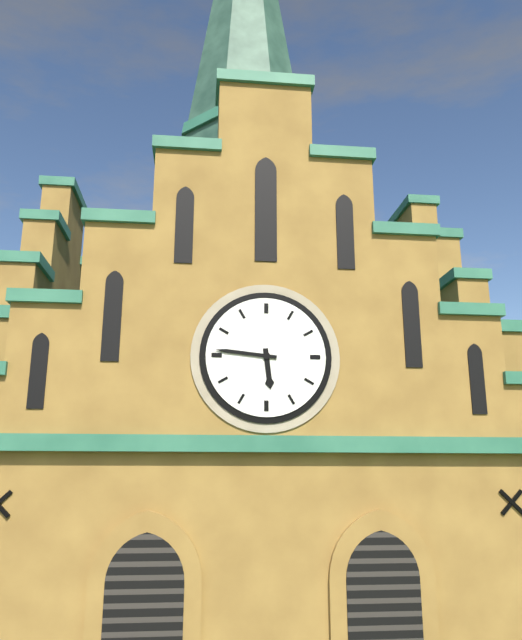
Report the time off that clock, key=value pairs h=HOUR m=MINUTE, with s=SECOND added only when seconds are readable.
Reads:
h=5 m=46
